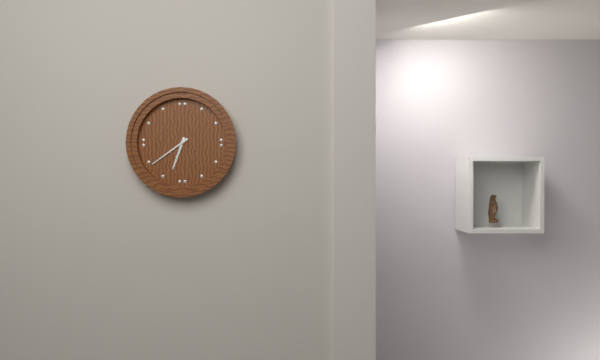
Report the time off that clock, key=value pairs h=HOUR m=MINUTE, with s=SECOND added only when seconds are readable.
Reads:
h=6 m=39
